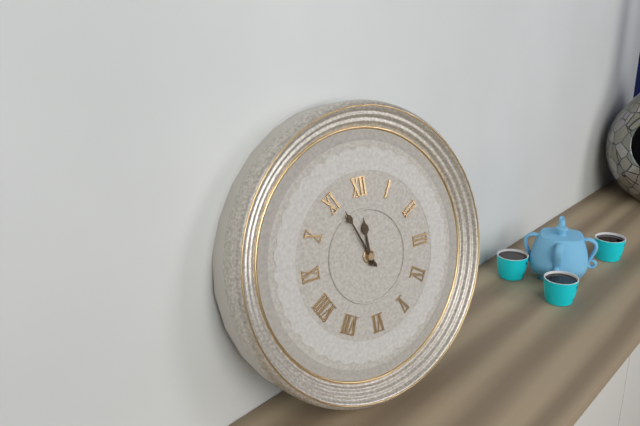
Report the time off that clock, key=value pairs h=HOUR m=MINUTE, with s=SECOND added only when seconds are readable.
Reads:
h=11 m=56
